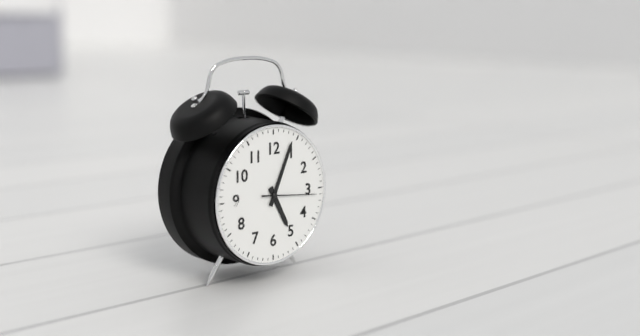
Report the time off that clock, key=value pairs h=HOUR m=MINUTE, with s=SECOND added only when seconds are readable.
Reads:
h=5 m=4 s=16
